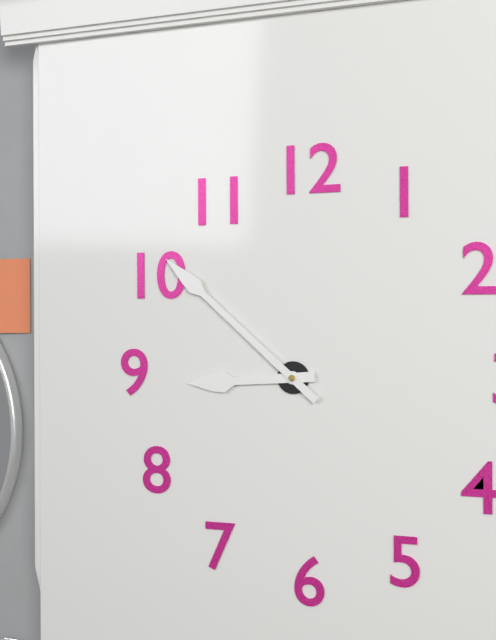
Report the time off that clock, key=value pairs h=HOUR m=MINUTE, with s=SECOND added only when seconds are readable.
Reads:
h=8 m=52
